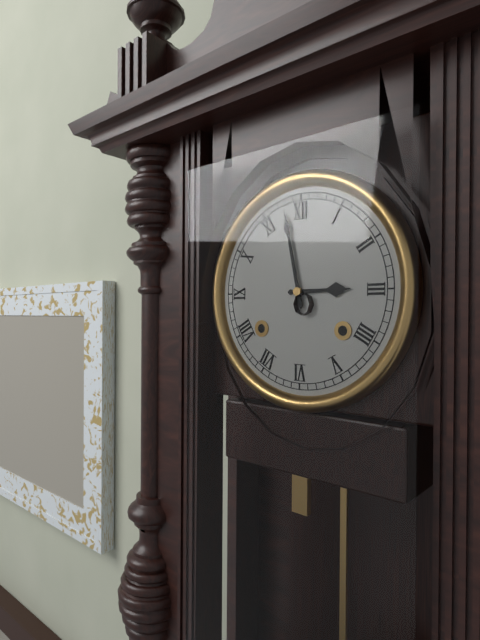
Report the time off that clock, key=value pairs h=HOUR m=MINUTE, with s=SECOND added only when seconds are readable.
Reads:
h=2 m=58
